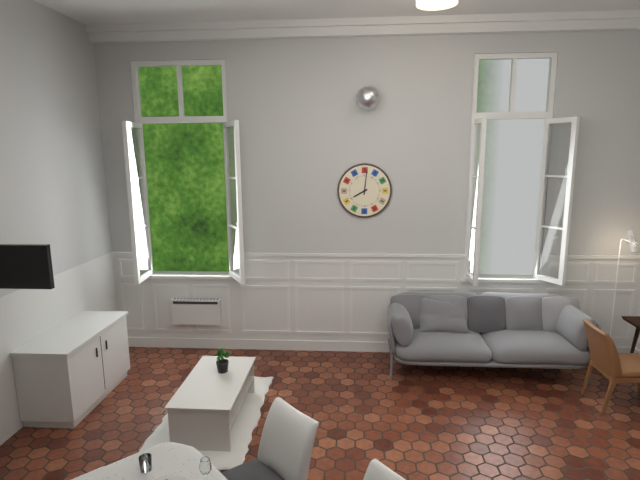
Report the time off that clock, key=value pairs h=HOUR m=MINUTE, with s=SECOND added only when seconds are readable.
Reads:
h=8 m=1
